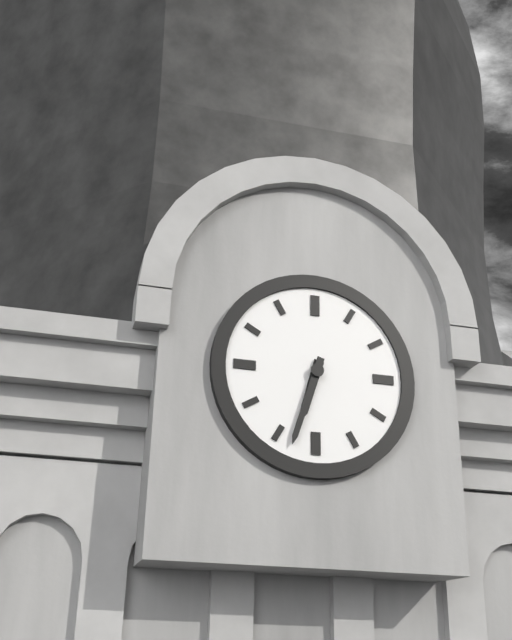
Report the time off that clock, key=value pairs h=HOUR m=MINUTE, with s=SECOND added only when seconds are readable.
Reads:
h=6 m=33
